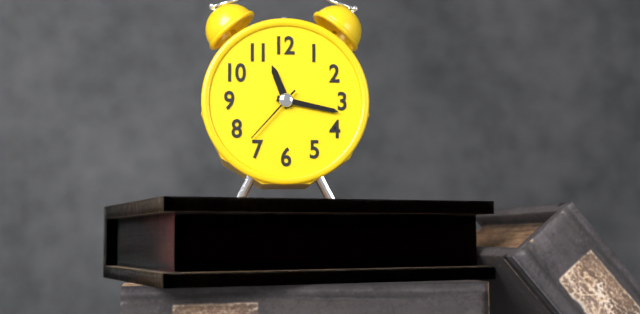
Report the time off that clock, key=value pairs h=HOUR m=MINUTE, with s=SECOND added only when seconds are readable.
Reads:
h=11 m=17 s=37
